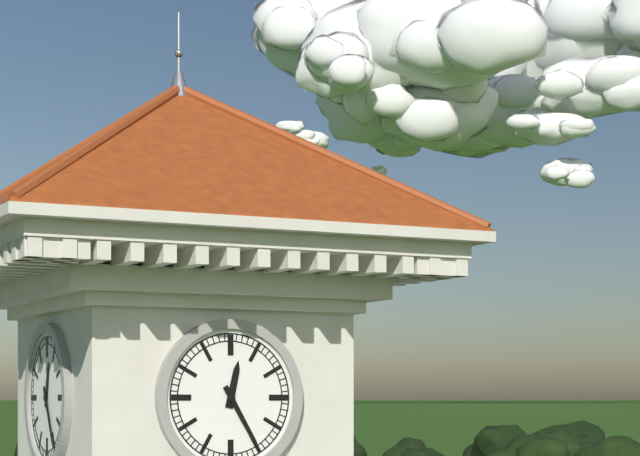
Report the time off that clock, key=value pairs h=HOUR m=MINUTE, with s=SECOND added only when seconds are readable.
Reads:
h=12 m=25
